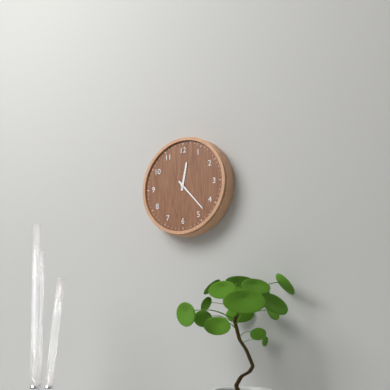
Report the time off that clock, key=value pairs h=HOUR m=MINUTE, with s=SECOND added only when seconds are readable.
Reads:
h=12 m=23
